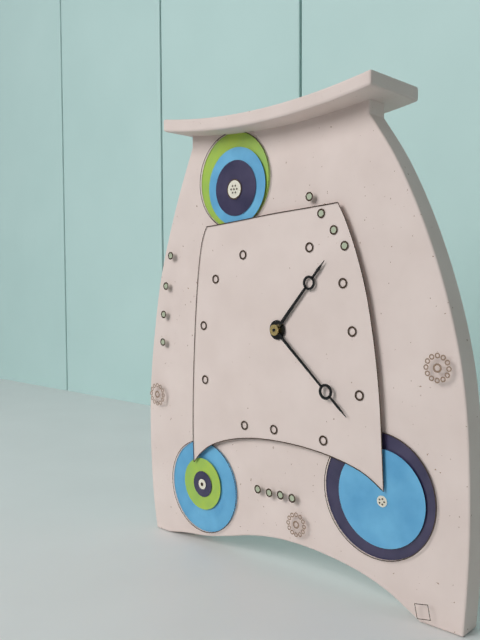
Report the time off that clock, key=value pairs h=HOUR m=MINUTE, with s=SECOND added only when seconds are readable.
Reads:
h=1 m=22
